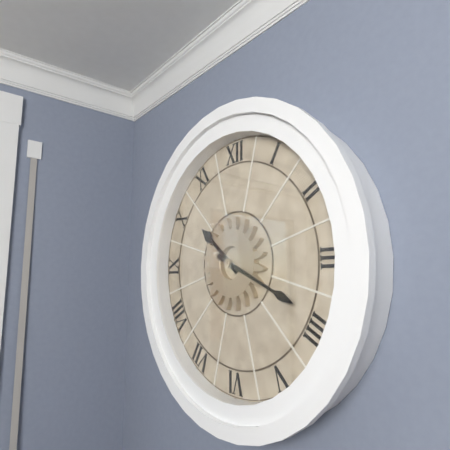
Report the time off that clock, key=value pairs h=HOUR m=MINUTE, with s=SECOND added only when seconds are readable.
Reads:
h=10 m=19
